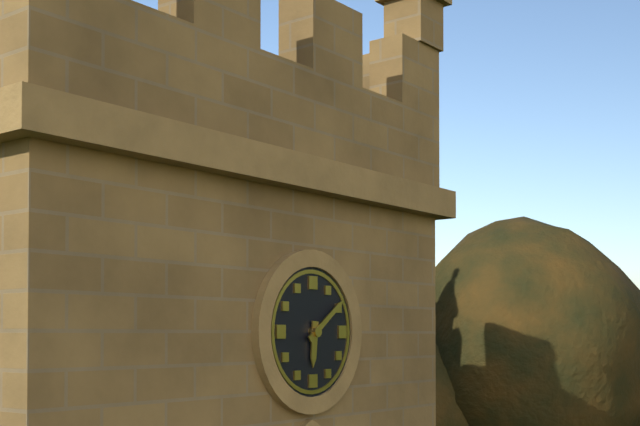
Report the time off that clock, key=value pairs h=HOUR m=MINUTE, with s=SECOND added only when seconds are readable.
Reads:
h=6 m=9
